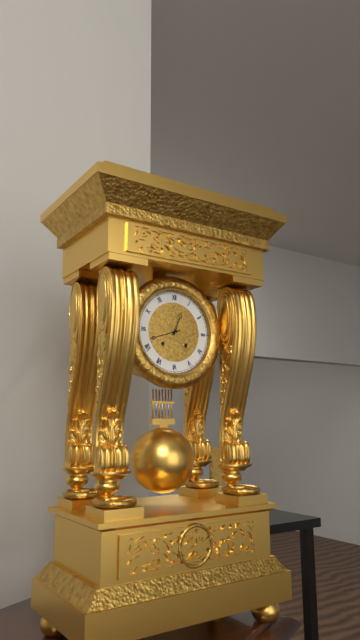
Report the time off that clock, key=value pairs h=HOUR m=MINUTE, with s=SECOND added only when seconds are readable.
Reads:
h=12 m=42
